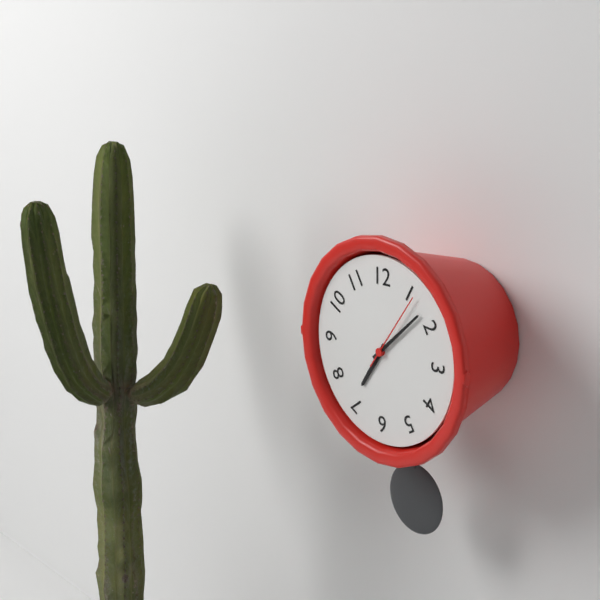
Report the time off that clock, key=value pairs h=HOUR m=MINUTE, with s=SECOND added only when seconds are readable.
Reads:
h=7 m=8 s=6
